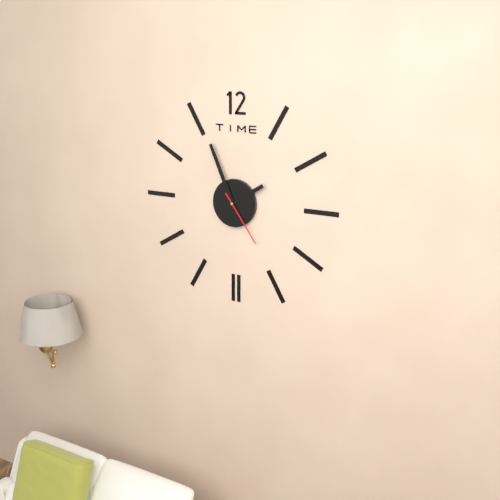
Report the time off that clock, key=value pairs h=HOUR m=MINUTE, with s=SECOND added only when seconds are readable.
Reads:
h=1 m=56 s=24
